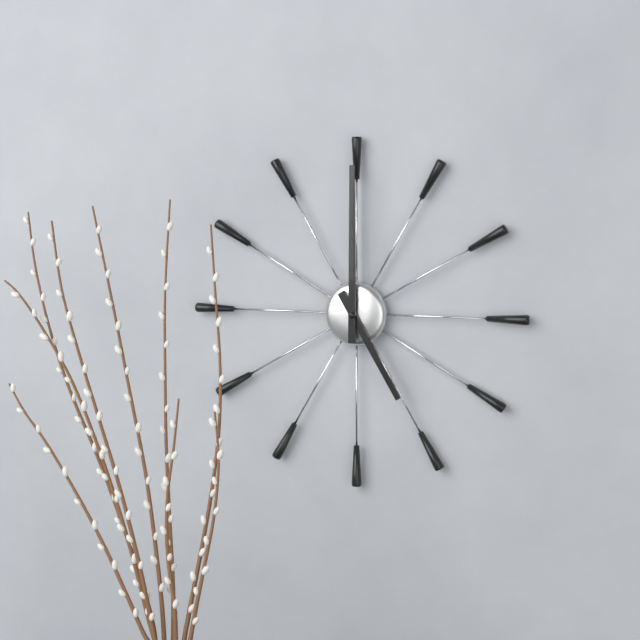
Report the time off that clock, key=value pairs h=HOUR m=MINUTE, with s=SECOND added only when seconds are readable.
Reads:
h=5 m=0
